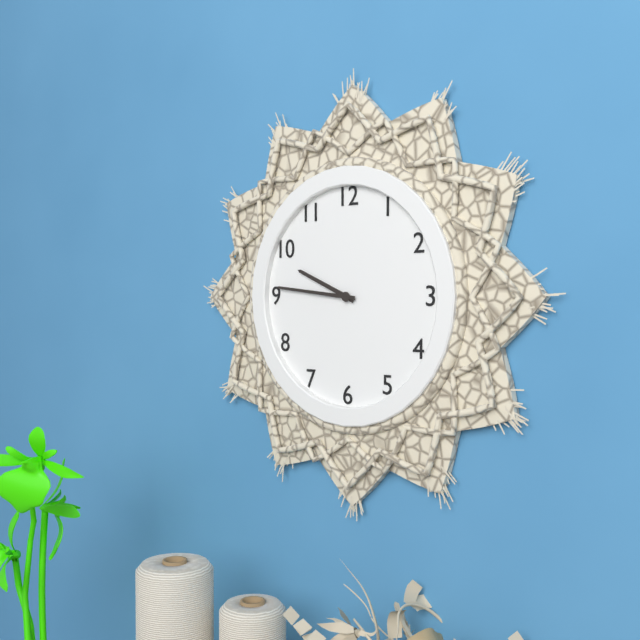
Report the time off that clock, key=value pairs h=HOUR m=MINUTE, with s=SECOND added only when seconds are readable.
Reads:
h=9 m=46
